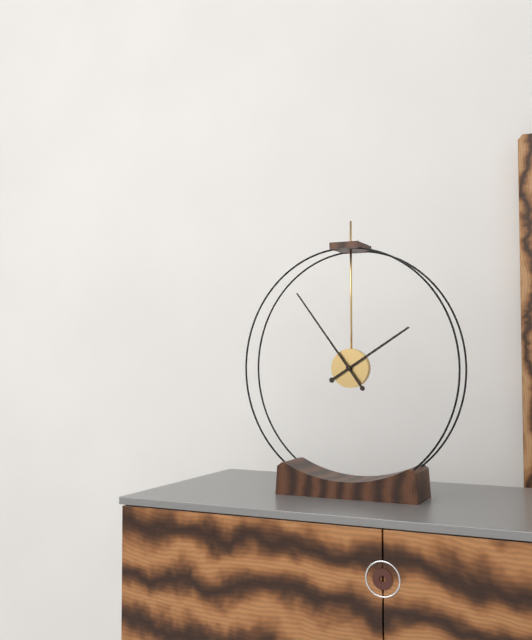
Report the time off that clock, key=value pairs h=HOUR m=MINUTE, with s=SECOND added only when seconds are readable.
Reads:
h=1 m=54
